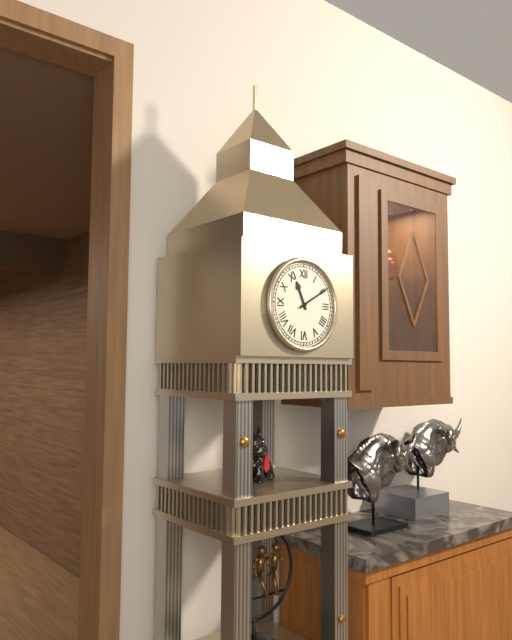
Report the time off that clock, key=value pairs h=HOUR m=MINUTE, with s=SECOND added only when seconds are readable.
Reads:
h=11 m=10
